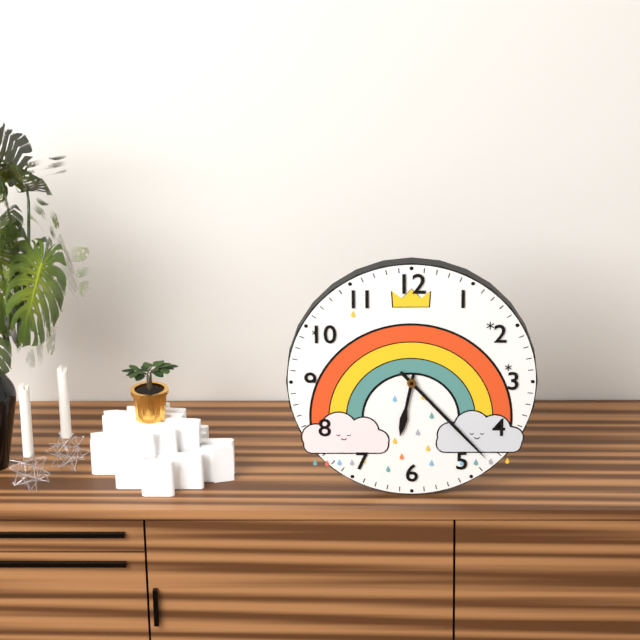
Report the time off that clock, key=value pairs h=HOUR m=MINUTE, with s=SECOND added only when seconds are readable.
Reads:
h=6 m=23
